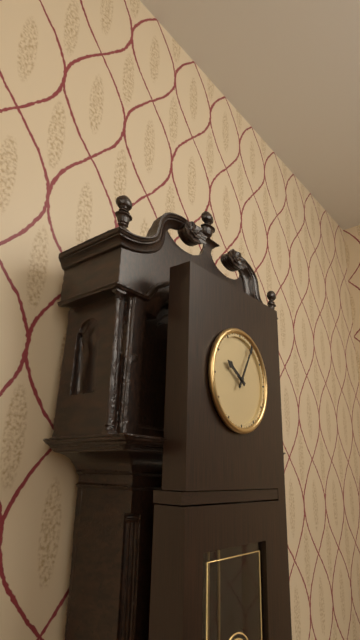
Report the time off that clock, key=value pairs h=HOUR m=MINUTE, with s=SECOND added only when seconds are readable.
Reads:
h=10 m=5
